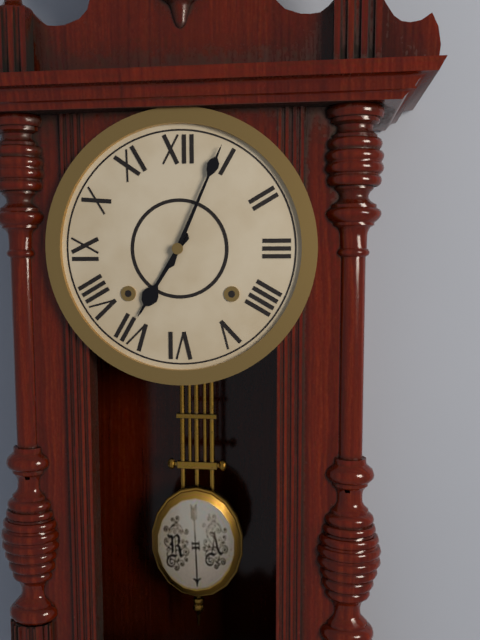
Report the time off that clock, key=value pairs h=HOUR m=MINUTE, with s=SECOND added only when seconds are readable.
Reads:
h=7 m=4
